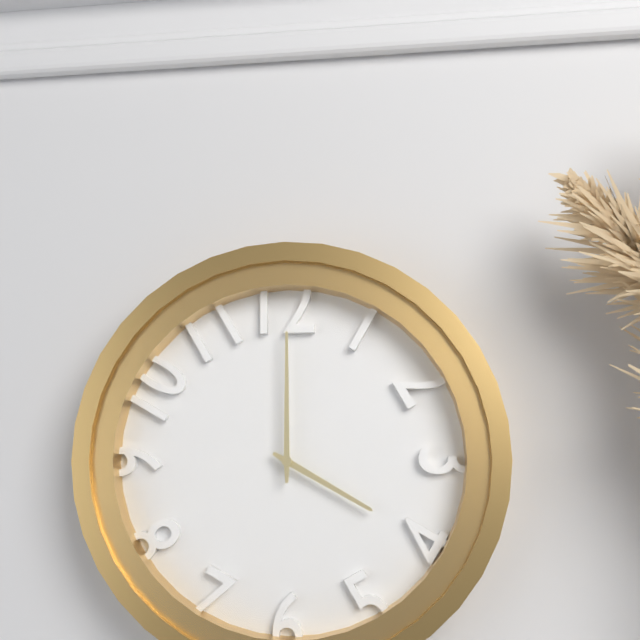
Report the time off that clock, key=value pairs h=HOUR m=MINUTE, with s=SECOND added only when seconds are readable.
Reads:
h=4 m=0
